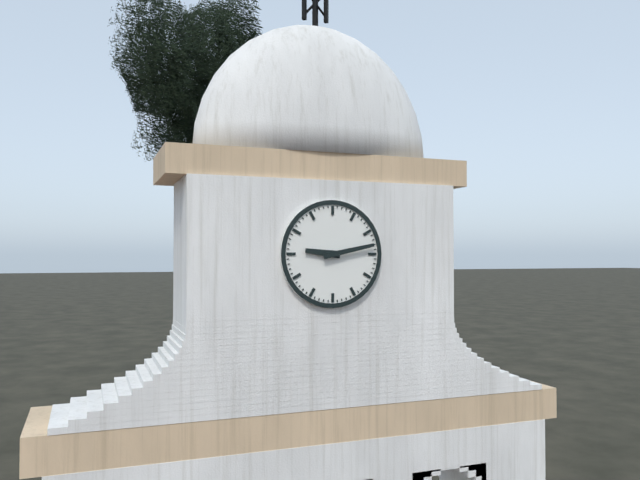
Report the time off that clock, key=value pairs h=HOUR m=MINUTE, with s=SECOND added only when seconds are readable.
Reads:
h=9 m=13
